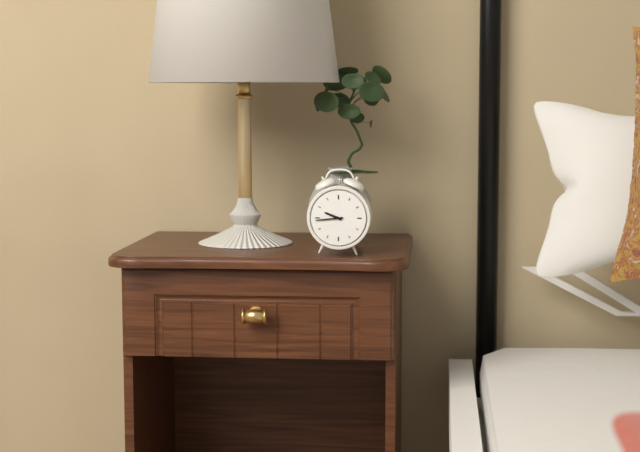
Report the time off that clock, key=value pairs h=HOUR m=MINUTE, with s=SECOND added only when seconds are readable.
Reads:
h=9 m=44
